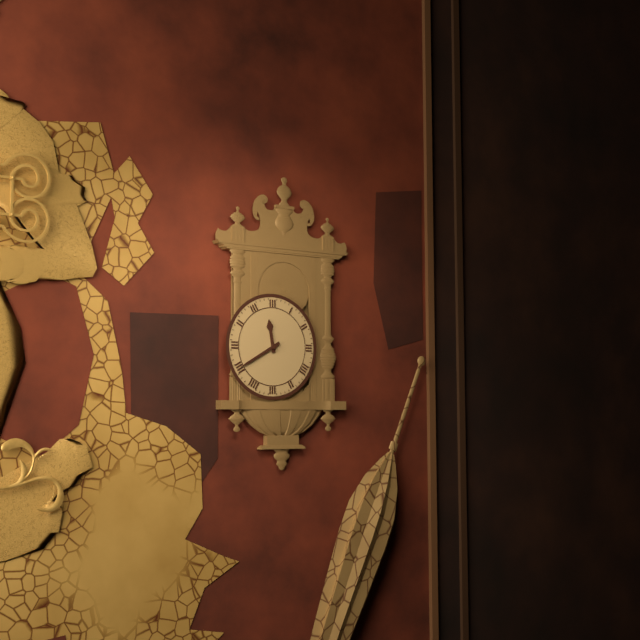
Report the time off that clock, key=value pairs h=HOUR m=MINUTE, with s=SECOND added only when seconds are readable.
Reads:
h=11 m=40
